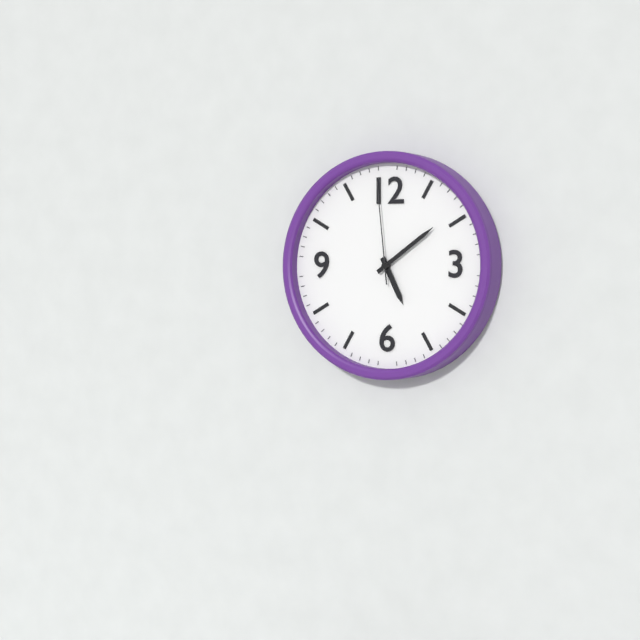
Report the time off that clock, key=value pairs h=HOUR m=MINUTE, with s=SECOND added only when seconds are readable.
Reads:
h=5 m=9 s=59
